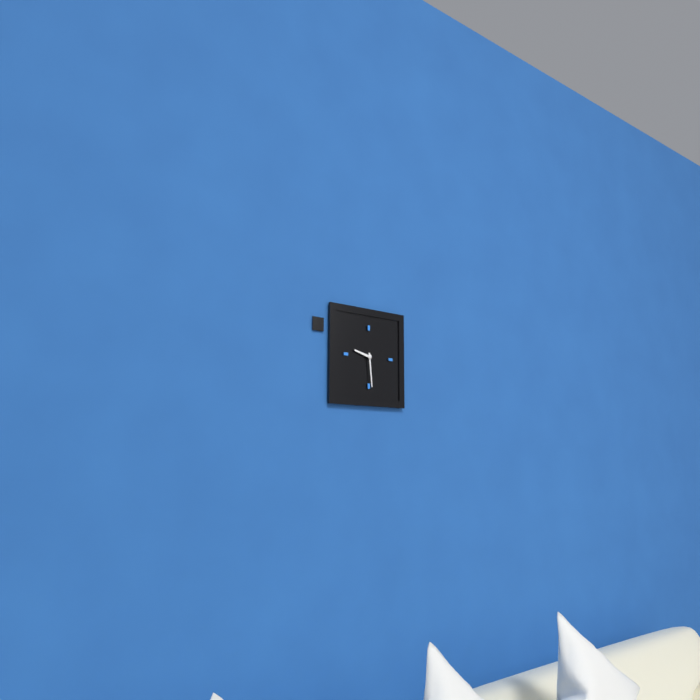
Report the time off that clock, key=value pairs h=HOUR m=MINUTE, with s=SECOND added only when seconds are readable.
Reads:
h=9 m=29
